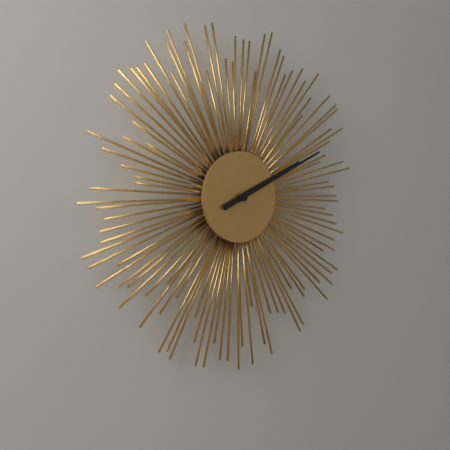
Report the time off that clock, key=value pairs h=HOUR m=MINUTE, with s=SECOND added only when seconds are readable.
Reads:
h=2 m=11
